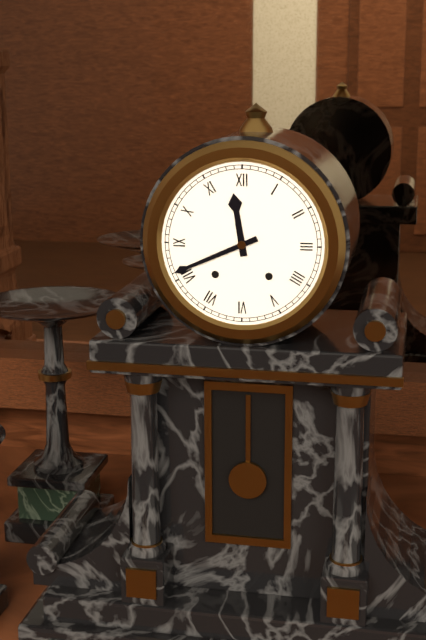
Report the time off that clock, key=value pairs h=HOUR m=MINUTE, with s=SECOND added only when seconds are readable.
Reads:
h=11 m=41
